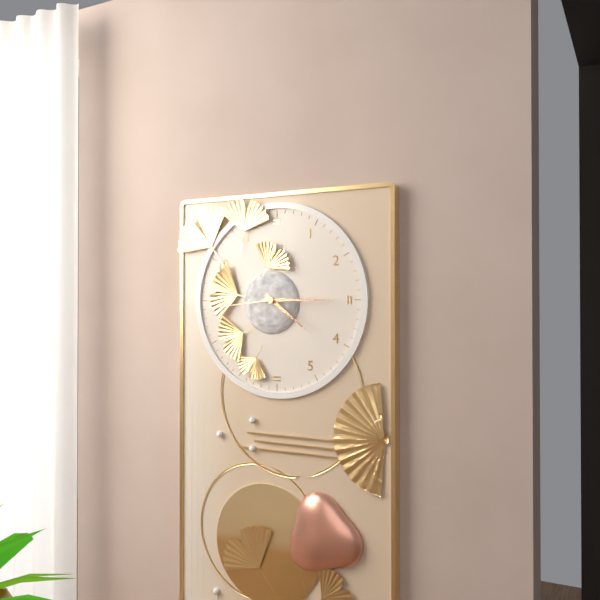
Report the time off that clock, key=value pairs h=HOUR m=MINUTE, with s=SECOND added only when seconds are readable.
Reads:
h=4 m=15 s=44
